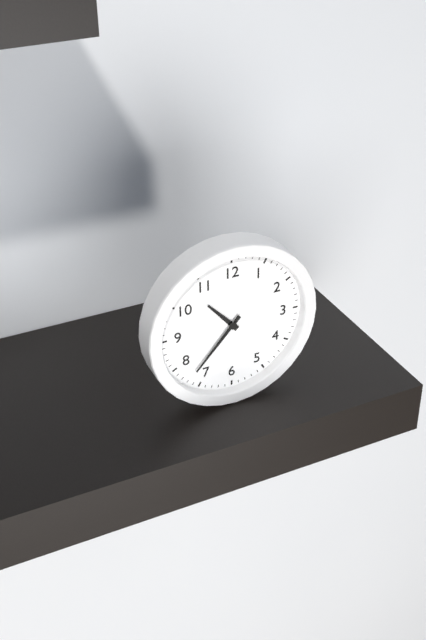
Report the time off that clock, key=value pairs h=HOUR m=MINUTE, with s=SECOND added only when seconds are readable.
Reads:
h=10 m=37
